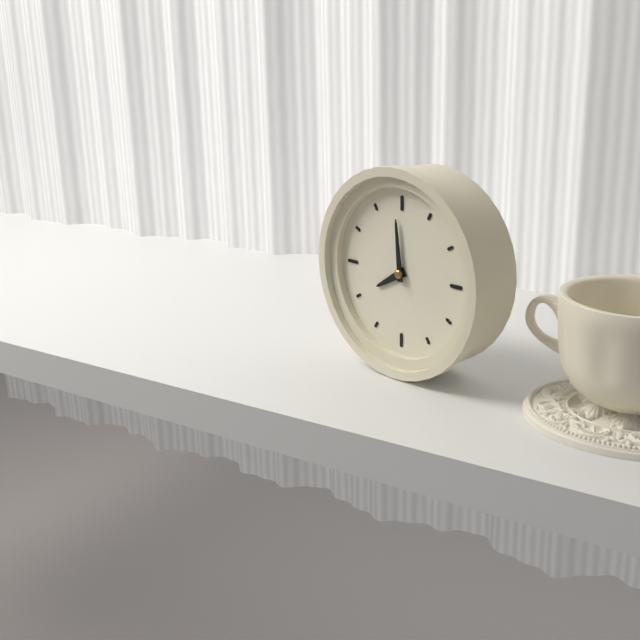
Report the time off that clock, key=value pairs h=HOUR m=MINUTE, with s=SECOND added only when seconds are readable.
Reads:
h=7 m=59
